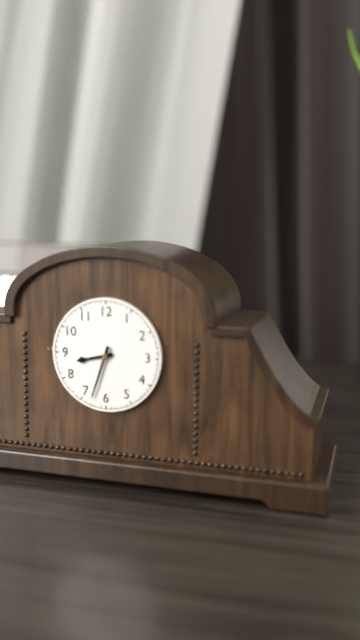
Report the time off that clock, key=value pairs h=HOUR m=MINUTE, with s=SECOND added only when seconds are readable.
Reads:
h=8 m=33
